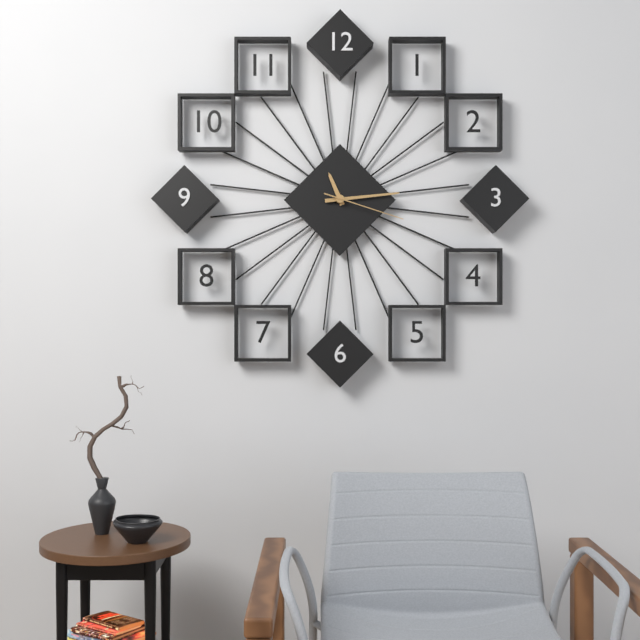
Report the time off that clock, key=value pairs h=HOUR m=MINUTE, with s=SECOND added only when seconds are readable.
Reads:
h=11 m=14 s=18
